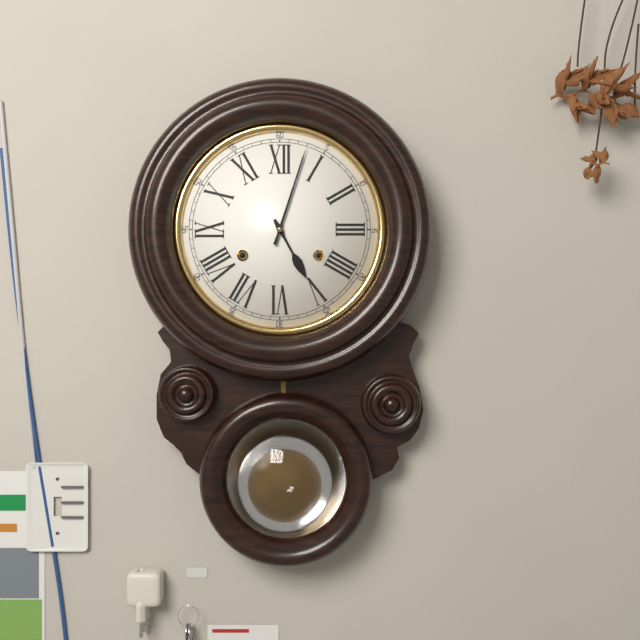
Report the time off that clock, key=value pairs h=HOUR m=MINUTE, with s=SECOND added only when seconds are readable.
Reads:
h=5 m=3
